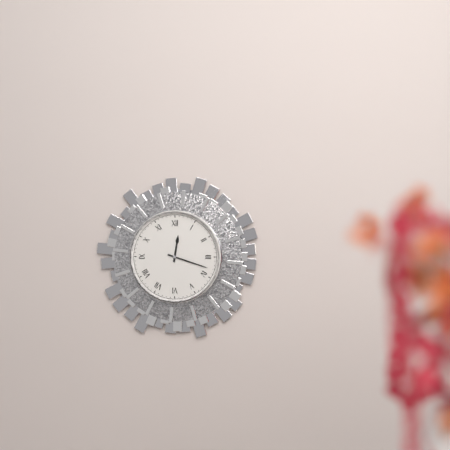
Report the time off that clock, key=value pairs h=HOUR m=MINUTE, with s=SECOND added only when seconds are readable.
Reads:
h=12 m=18
